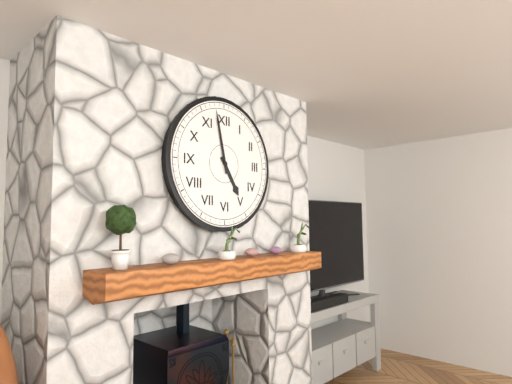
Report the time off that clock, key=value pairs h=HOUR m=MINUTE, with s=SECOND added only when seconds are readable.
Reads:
h=4 m=58
